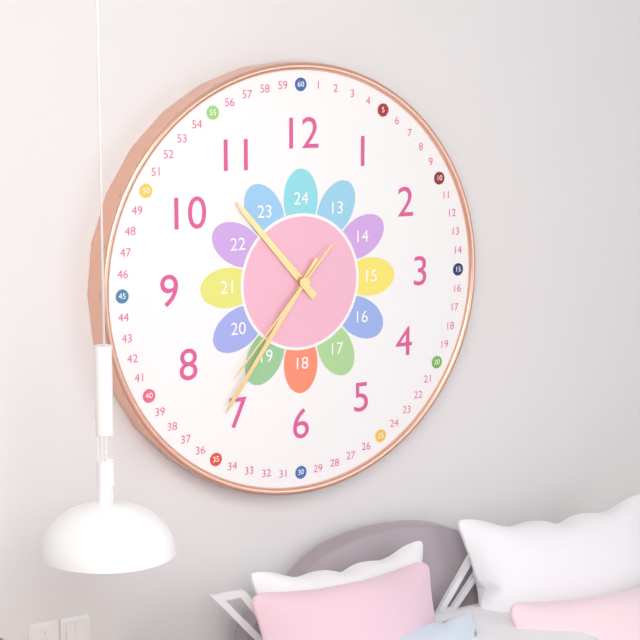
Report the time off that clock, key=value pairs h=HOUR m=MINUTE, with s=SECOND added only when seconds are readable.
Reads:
h=10 m=36 s=37
